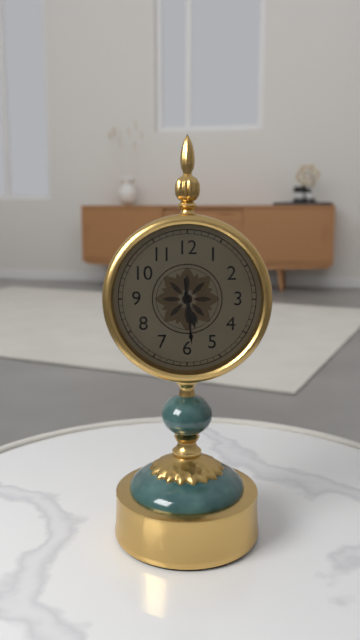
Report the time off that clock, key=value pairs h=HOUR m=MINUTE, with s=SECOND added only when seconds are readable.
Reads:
h=5 m=29
